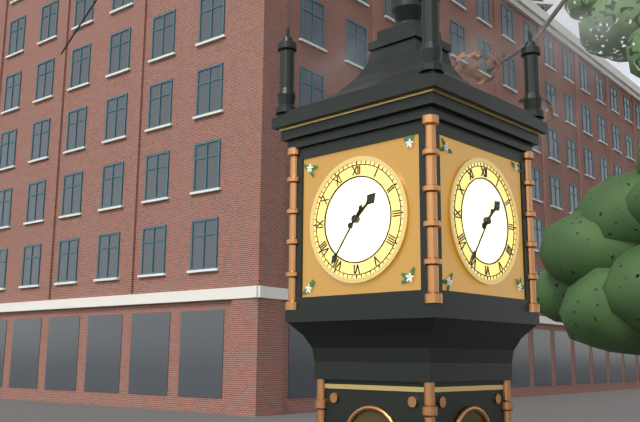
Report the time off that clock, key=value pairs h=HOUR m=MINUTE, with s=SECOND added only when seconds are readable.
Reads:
h=1 m=36
